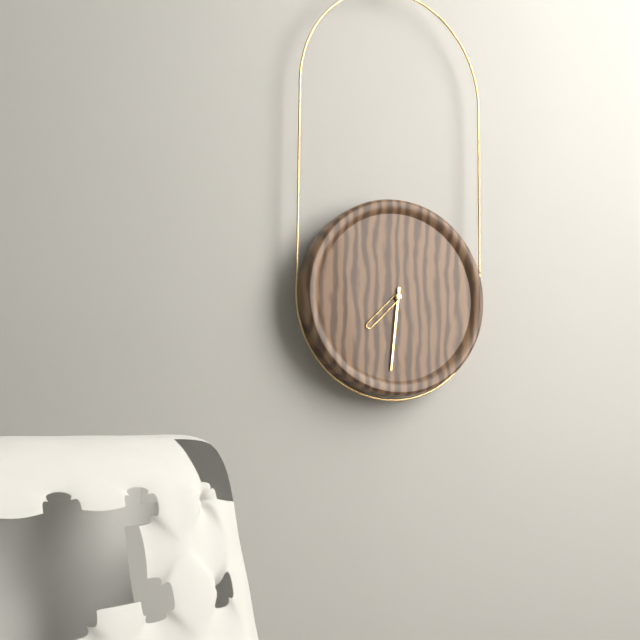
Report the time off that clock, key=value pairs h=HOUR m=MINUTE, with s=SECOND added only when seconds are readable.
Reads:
h=7 m=31
